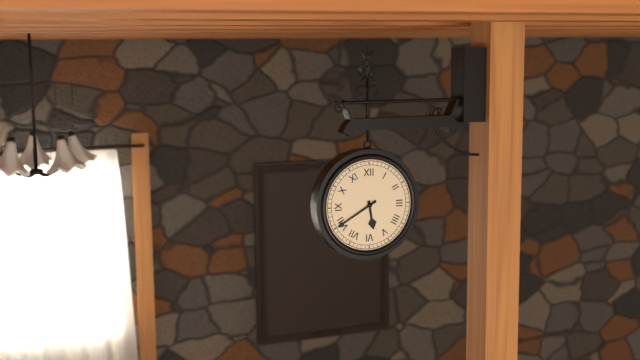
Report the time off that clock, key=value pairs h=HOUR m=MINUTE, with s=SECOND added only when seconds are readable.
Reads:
h=5 m=40
